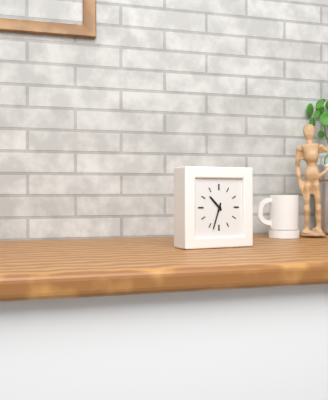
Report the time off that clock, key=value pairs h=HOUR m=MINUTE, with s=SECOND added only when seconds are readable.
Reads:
h=10 m=33
